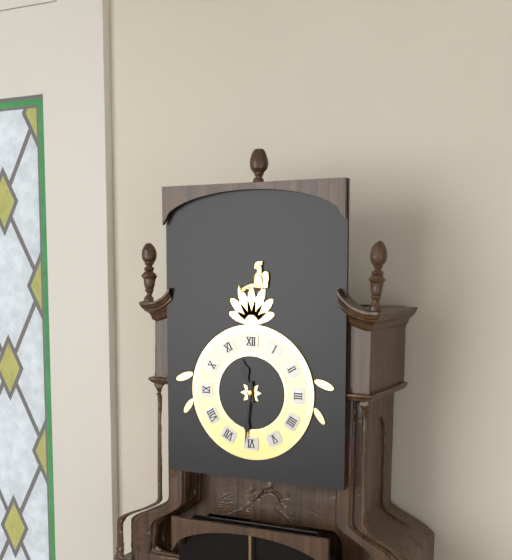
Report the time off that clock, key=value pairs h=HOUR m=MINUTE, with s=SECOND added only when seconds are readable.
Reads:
h=11 m=31
